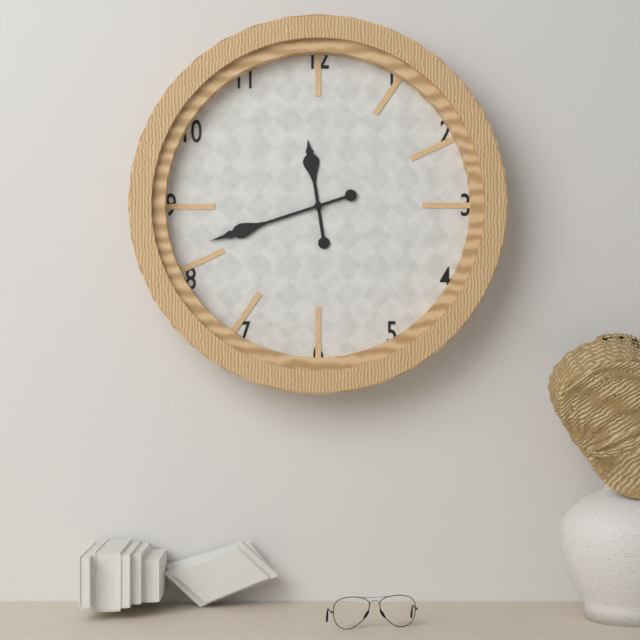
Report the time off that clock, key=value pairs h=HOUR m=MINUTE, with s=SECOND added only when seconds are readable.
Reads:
h=11 m=42
